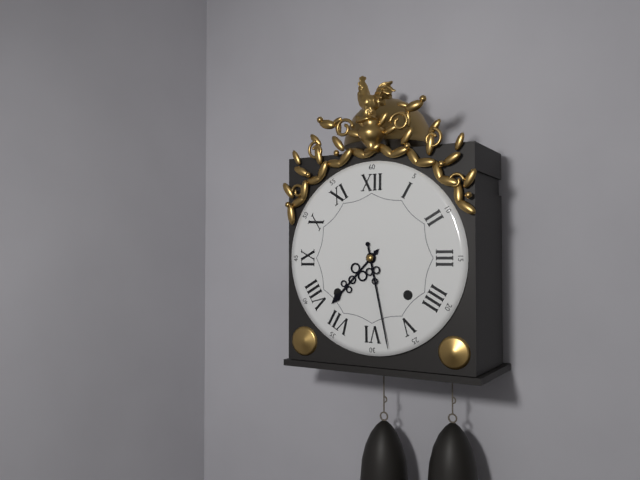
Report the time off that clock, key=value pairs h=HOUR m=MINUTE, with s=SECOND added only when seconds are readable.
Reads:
h=7 m=28
